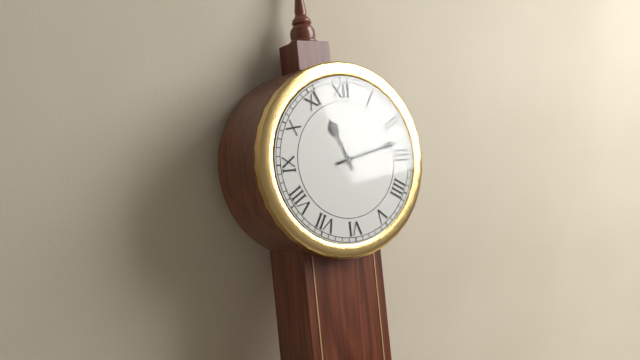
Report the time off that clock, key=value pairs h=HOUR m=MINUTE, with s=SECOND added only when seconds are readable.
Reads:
h=11 m=13
